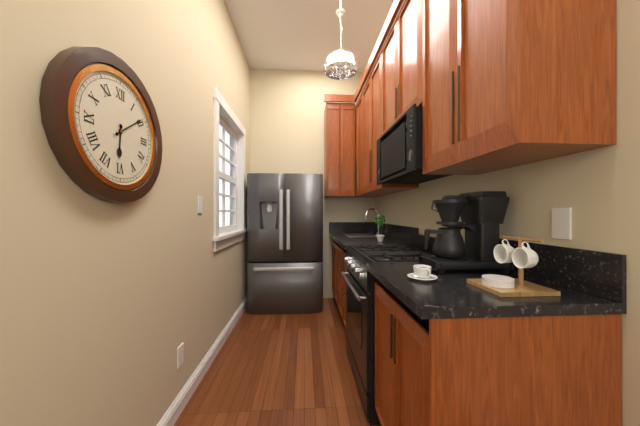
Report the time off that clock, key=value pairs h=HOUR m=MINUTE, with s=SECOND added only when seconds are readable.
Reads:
h=6 m=9
